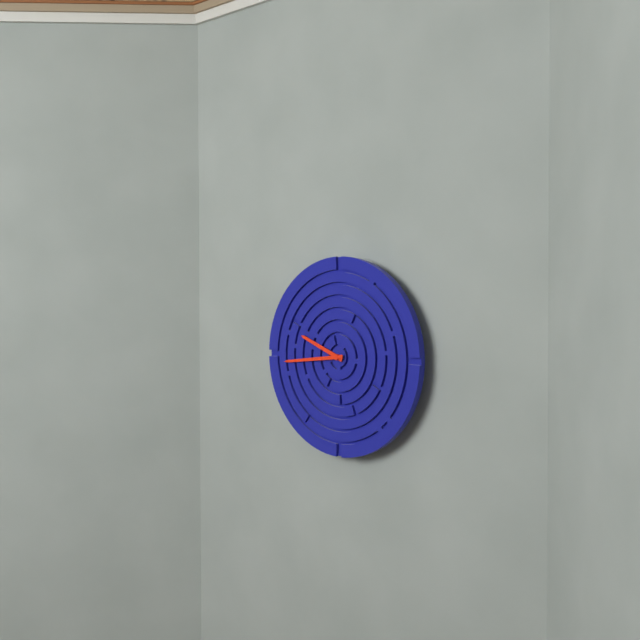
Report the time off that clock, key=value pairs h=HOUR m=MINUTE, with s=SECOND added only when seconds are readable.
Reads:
h=9 m=44
